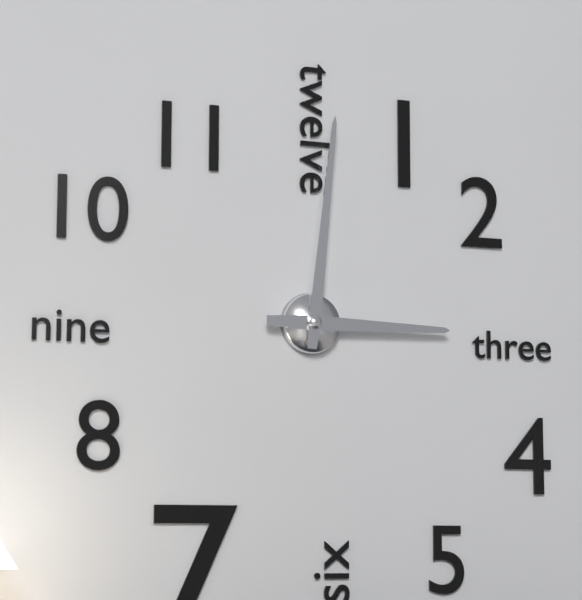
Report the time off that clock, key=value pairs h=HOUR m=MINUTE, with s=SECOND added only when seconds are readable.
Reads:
h=3 m=1
